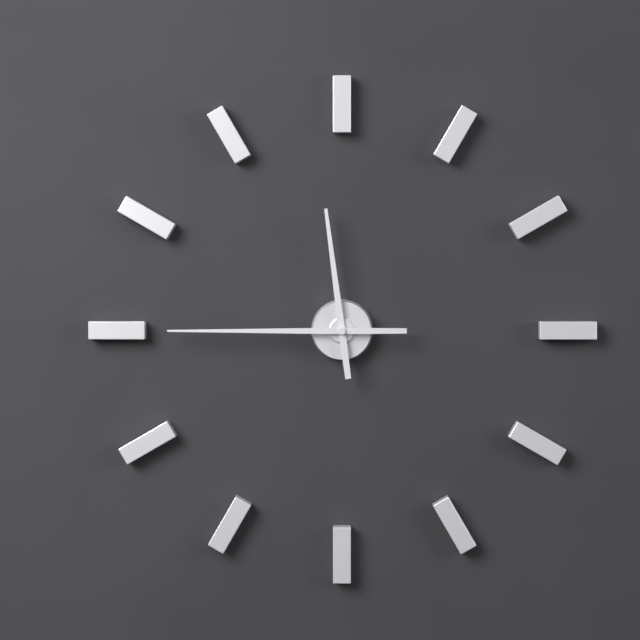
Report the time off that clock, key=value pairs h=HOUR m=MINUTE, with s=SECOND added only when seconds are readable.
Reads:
h=11 m=45
